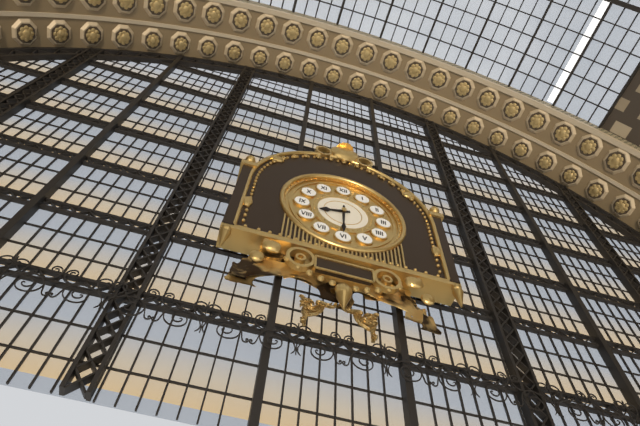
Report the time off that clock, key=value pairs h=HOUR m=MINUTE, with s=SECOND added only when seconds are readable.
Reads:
h=8 m=30
